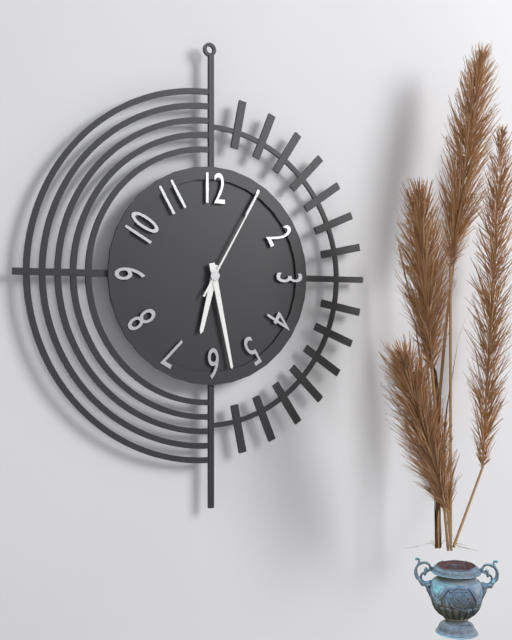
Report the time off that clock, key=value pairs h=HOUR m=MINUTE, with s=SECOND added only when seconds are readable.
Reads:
h=6 m=28 s=5
